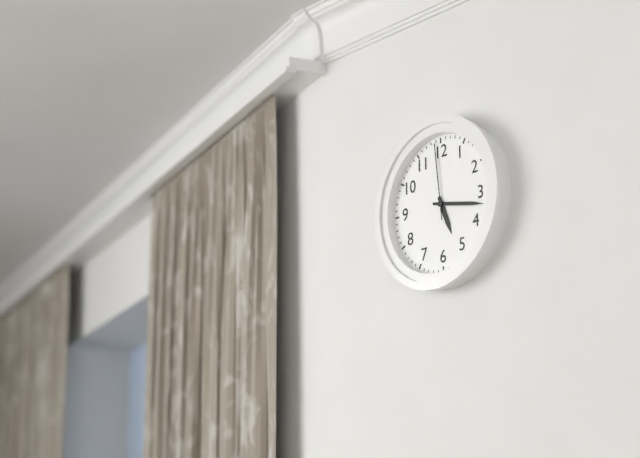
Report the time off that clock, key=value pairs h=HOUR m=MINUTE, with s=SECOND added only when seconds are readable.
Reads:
h=5 m=17 s=59
